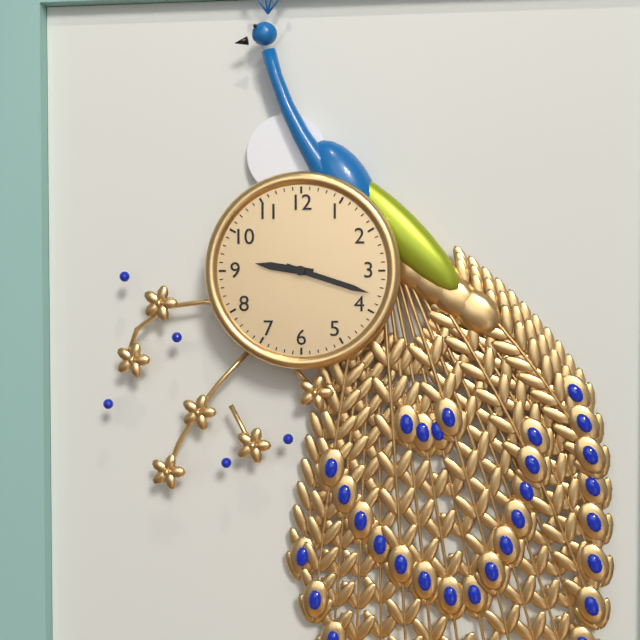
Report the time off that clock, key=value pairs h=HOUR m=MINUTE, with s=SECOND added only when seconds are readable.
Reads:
h=9 m=18
